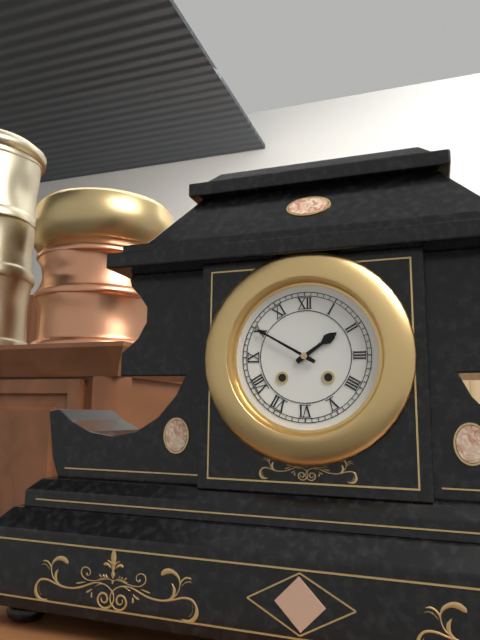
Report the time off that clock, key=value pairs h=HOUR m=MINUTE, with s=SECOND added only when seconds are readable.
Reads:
h=1 m=50
